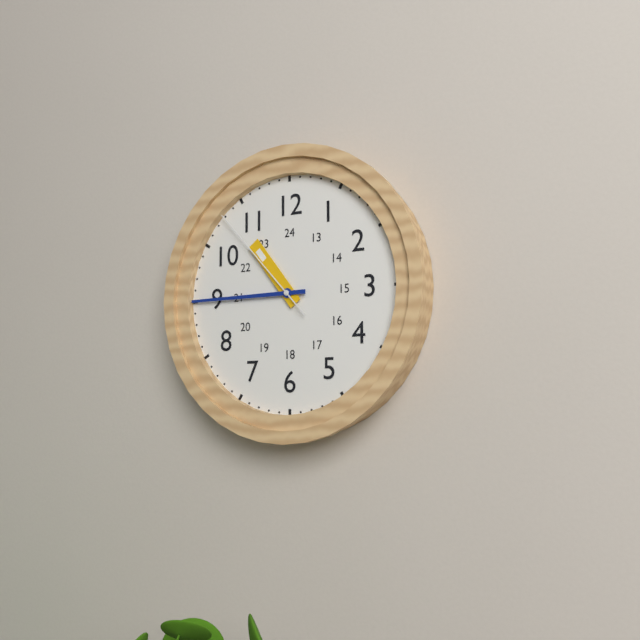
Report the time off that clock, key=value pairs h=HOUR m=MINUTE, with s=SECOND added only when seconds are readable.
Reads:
h=10 m=45 s=53
